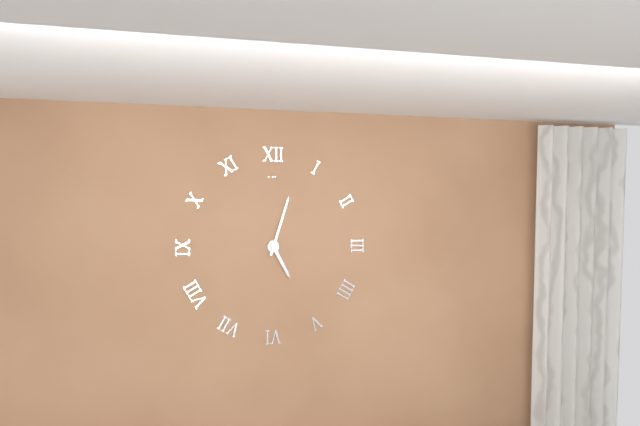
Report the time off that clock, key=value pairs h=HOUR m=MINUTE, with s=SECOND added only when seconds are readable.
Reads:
h=5 m=3
